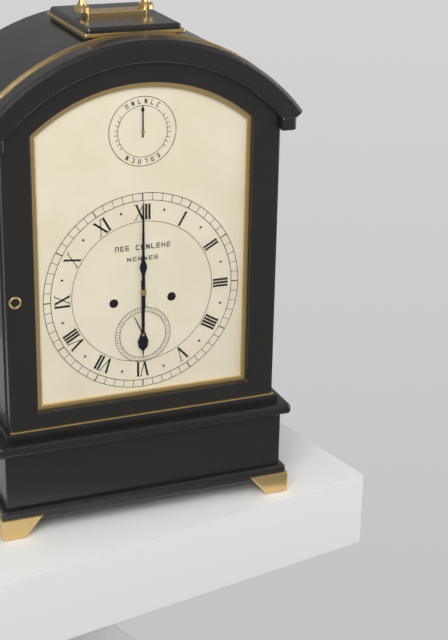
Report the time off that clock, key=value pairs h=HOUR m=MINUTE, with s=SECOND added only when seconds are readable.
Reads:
h=6 m=0
